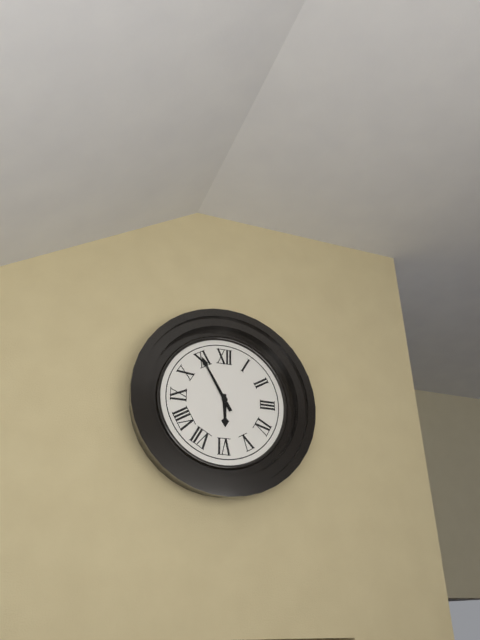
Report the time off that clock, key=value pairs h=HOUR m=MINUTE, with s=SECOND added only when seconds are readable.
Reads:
h=5 m=55
